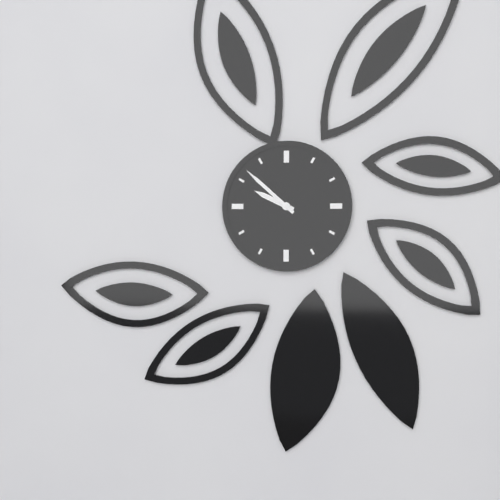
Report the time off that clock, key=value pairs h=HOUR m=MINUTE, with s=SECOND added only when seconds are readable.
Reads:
h=9 m=52
